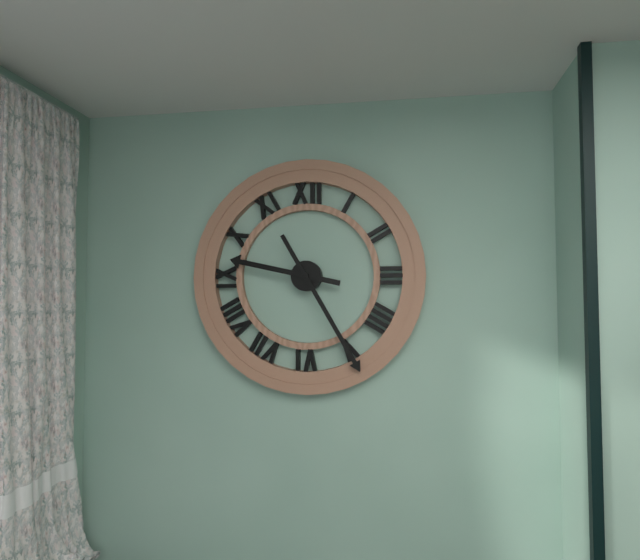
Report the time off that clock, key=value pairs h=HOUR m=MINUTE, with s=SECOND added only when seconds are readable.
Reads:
h=9 m=25
